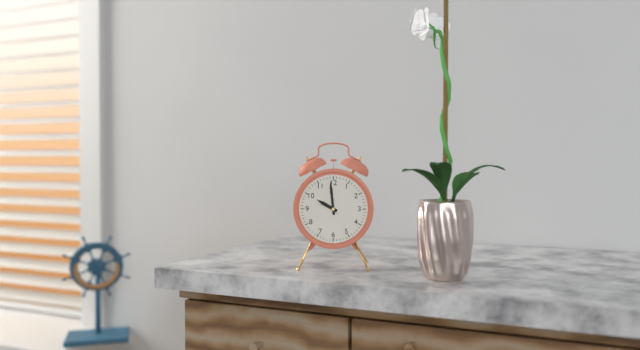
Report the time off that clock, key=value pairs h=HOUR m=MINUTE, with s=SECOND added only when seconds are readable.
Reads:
h=9 m=59
